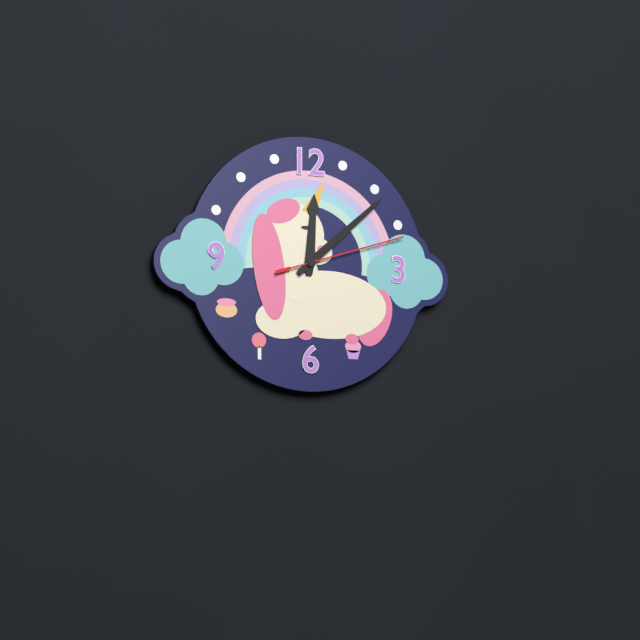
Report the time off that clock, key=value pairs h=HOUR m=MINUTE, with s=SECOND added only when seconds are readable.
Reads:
h=12 m=8 s=12
